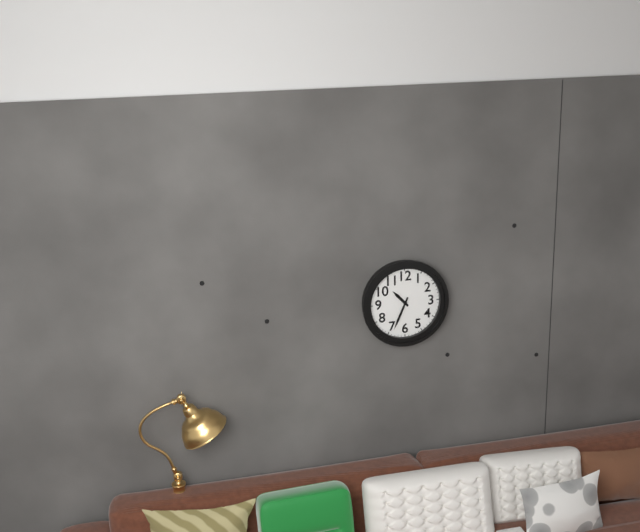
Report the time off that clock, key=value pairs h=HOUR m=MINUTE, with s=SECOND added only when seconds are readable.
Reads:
h=10 m=34
